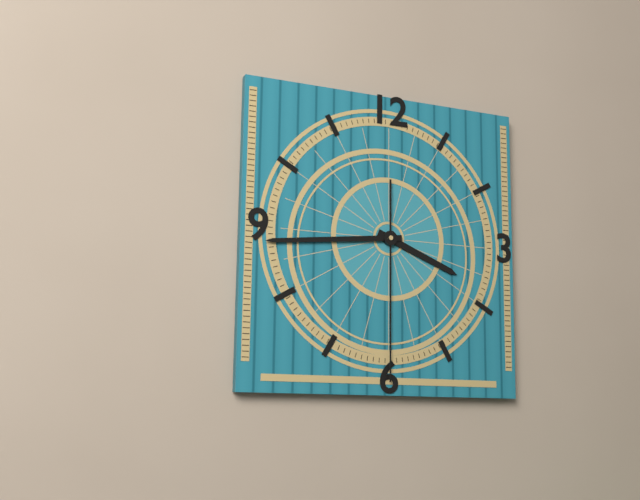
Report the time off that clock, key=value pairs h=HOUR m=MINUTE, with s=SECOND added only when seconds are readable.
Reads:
h=3 m=44 s=30
